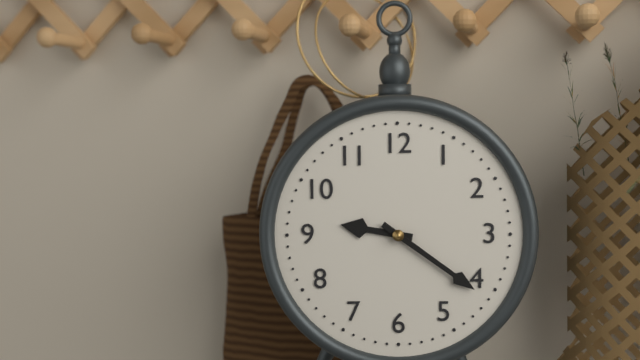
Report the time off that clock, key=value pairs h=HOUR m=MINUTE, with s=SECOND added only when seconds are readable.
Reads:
h=9 m=21
